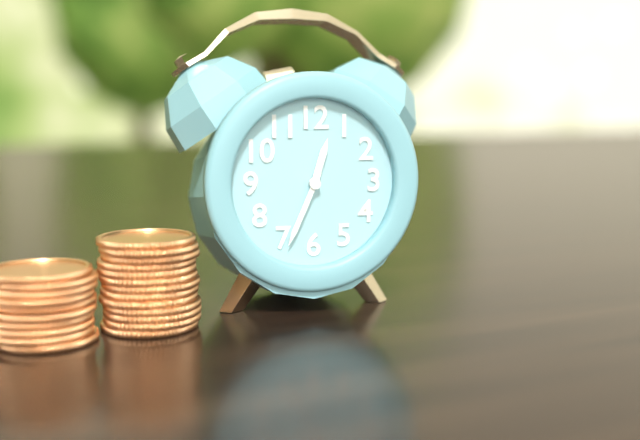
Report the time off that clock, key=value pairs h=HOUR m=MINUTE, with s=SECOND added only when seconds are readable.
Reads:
h=12 m=34
